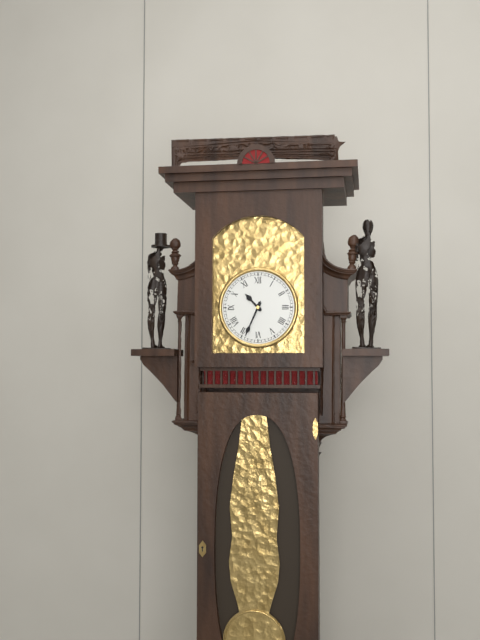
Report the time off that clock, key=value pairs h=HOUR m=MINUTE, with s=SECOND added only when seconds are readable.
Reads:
h=10 m=34
